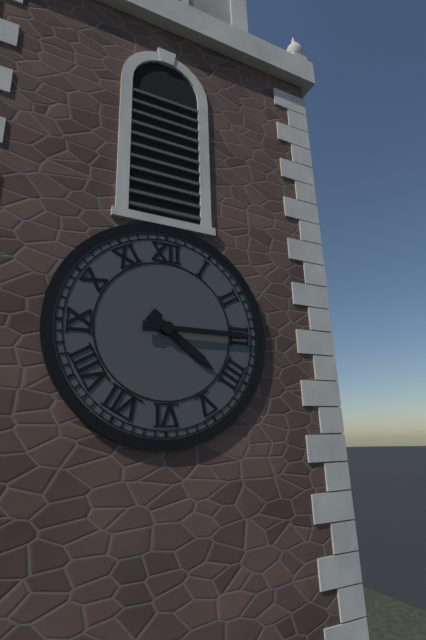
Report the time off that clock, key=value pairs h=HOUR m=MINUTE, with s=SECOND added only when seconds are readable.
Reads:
h=4 m=15
